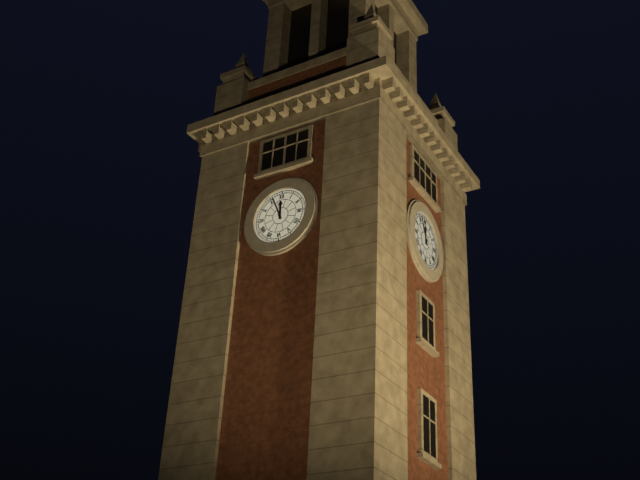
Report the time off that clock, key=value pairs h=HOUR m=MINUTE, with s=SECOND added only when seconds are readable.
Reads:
h=11 m=56
